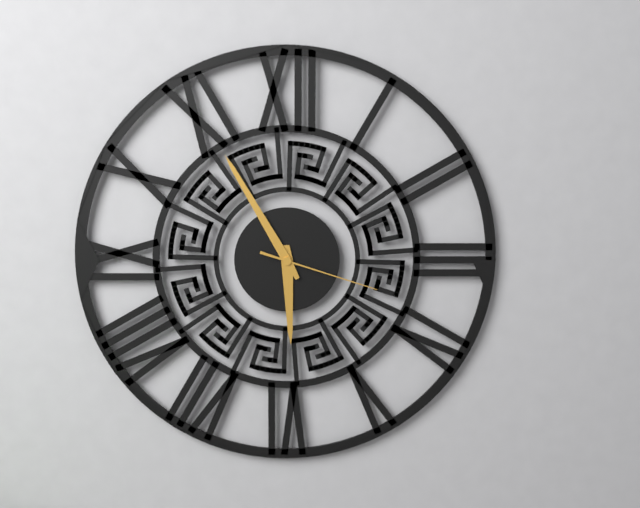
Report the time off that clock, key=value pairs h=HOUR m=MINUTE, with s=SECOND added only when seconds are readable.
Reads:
h=5 m=55 s=18
